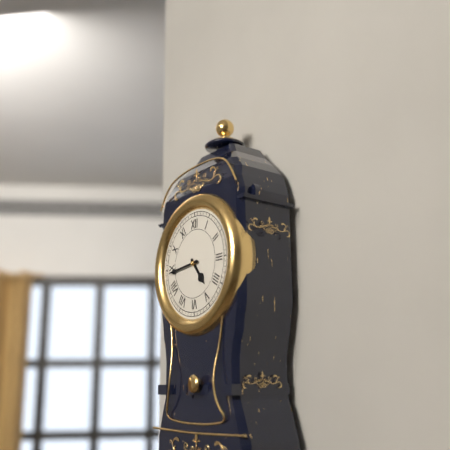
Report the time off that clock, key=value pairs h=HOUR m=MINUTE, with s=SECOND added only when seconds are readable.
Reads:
h=4 m=44
